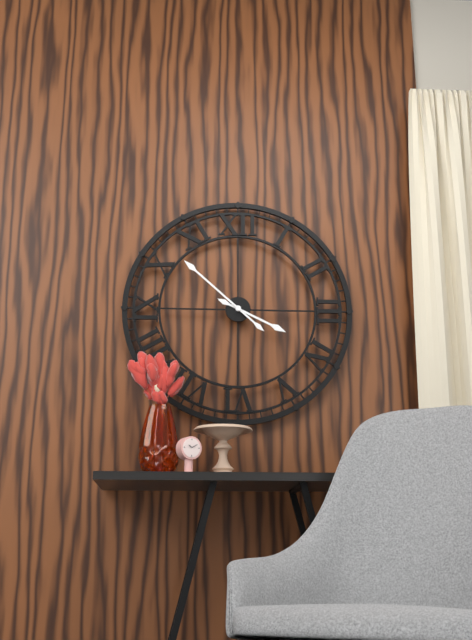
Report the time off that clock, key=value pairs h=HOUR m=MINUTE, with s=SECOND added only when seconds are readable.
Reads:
h=3 m=52
